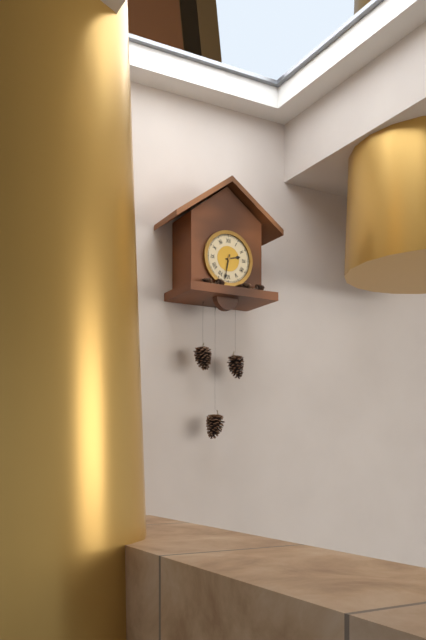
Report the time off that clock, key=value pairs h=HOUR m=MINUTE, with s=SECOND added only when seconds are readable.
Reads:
h=2 m=32
